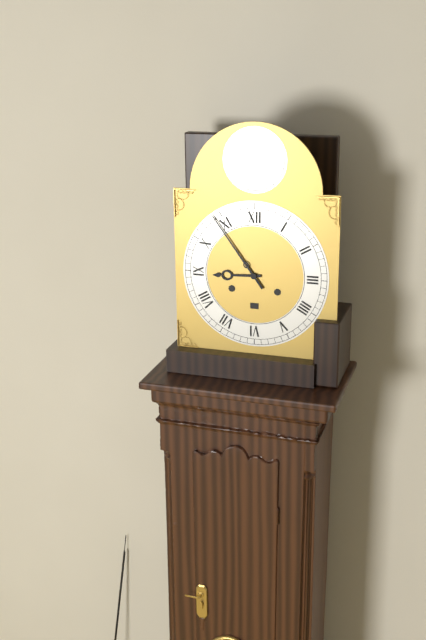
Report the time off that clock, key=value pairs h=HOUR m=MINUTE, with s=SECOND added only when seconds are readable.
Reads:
h=8 m=54
